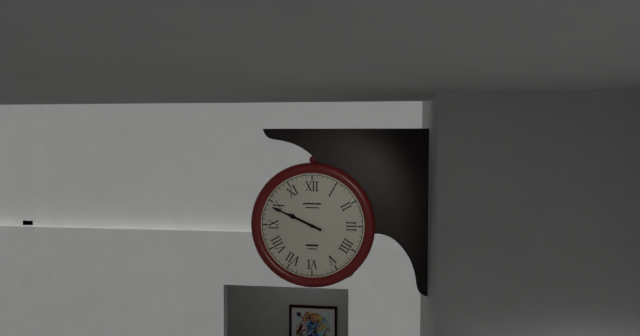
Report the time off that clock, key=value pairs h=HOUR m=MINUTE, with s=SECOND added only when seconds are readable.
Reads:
h=9 m=49
